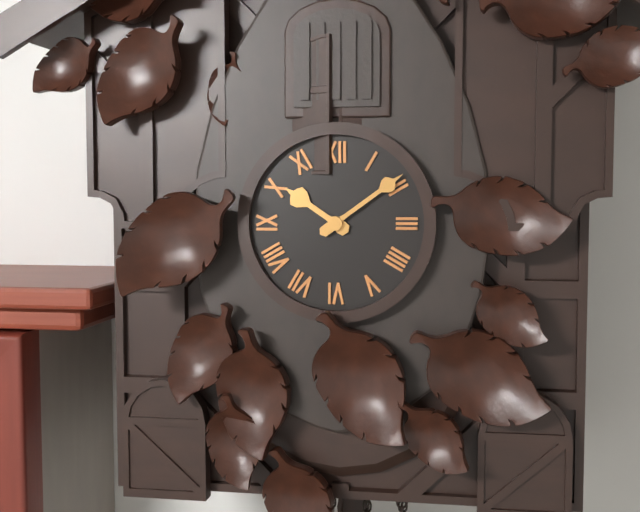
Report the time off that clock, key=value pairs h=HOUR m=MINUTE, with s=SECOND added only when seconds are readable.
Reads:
h=10 m=9
